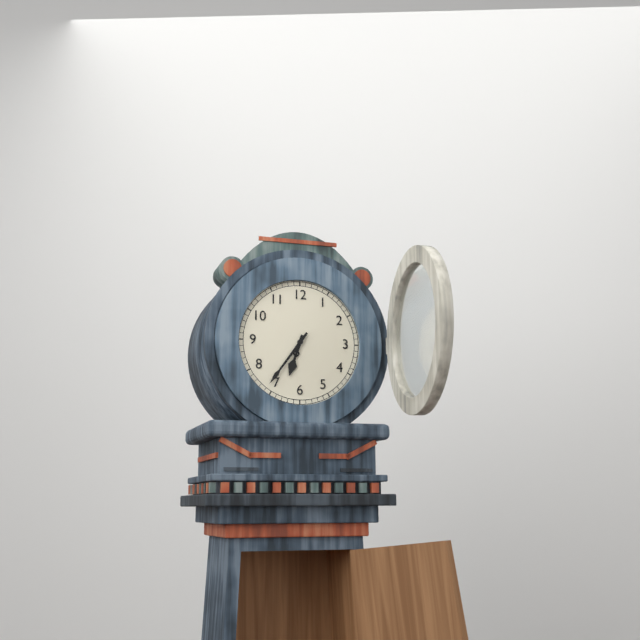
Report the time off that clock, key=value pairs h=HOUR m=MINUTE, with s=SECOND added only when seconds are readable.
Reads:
h=6 m=36
